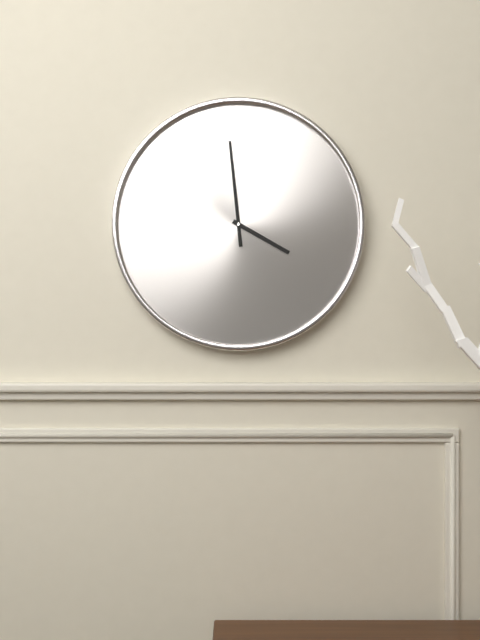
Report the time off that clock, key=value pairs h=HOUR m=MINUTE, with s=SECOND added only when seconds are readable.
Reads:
h=3 m=59
